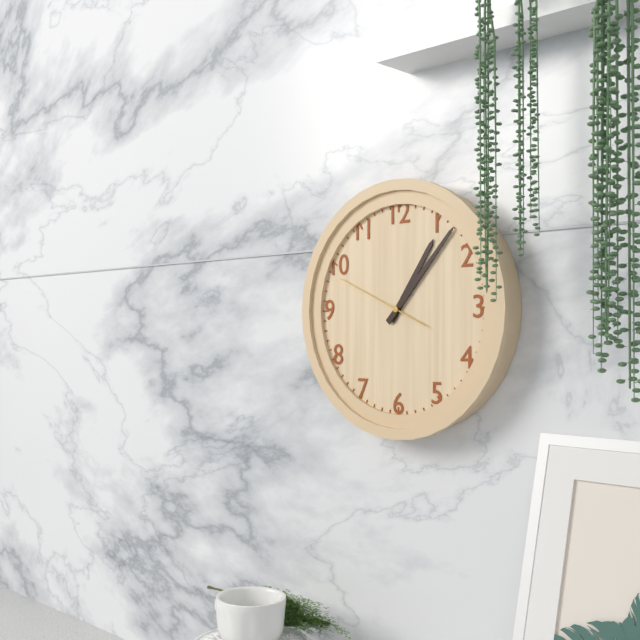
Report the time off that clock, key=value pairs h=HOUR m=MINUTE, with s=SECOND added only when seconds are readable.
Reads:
h=1 m=7 s=49
